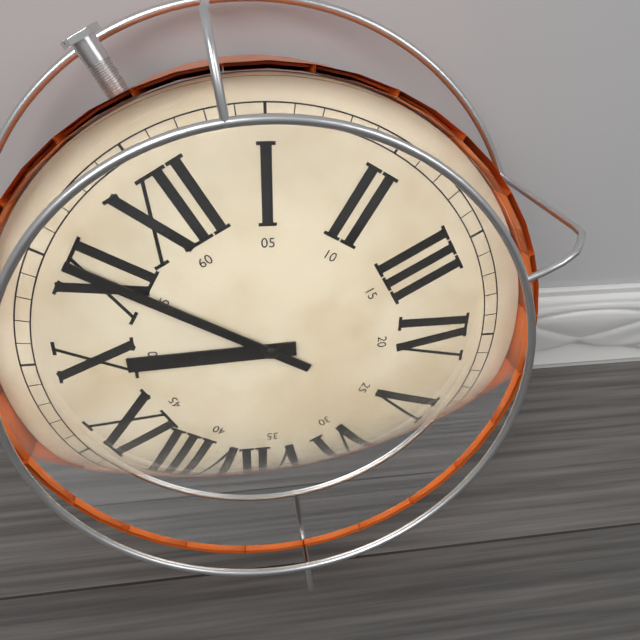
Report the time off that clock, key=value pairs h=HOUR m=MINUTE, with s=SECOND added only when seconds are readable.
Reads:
h=9 m=55
